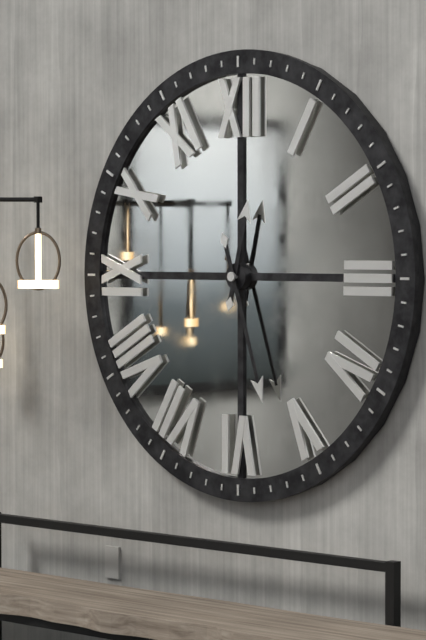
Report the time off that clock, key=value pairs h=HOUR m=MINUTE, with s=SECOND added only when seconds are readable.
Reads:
h=12 m=27
